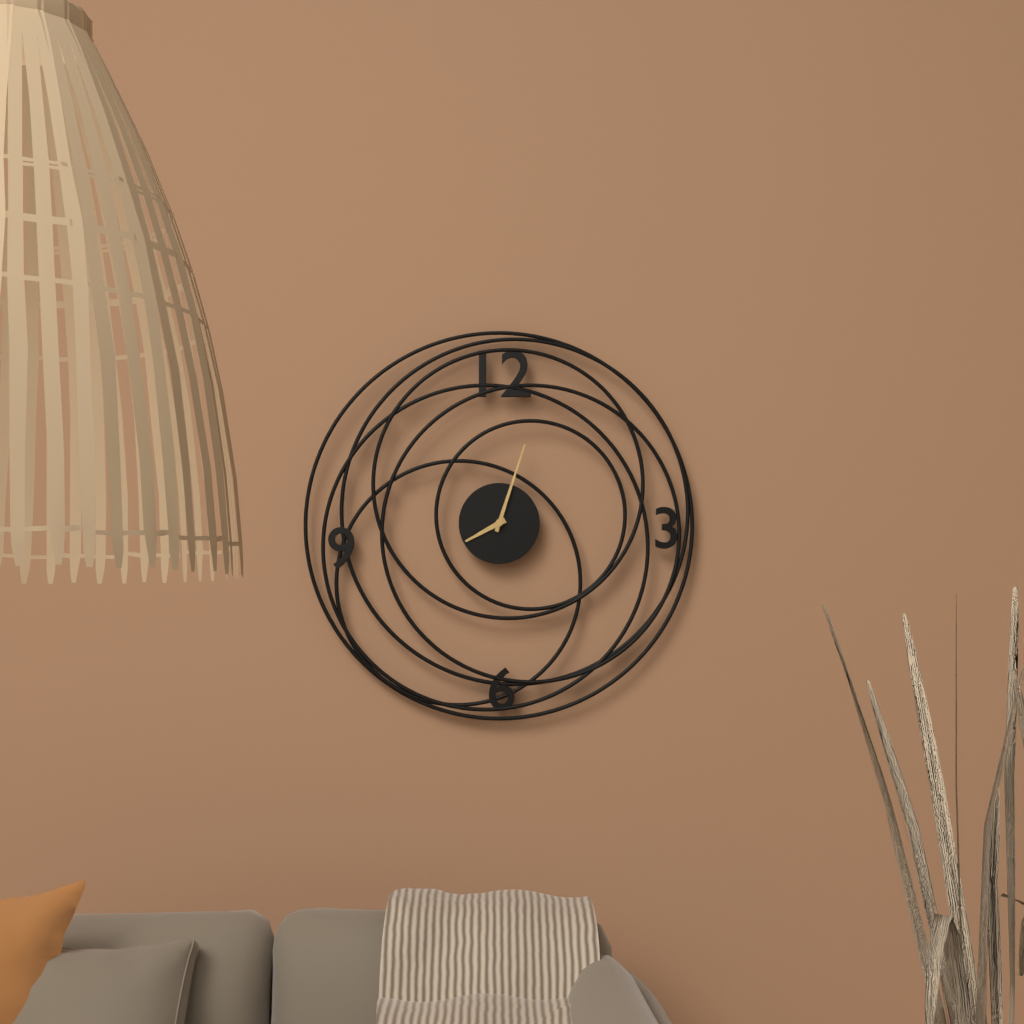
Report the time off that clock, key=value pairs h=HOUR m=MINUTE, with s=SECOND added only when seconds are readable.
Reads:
h=8 m=3
